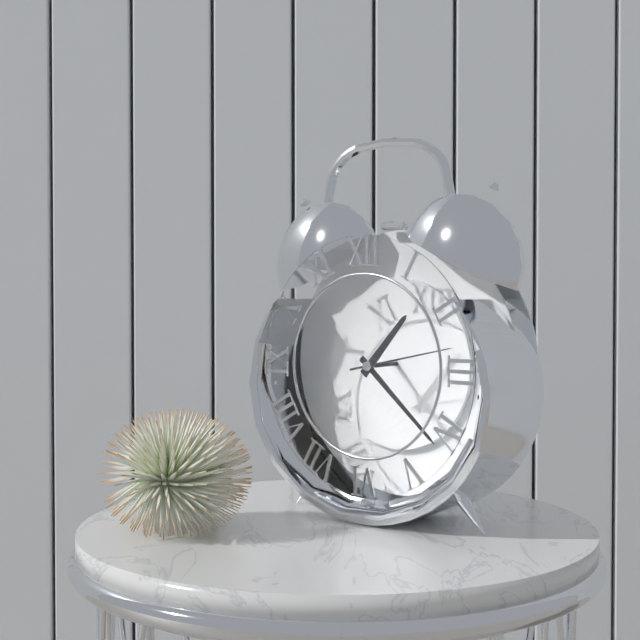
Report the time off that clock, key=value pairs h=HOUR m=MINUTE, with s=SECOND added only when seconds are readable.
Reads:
h=1 m=22 s=13
